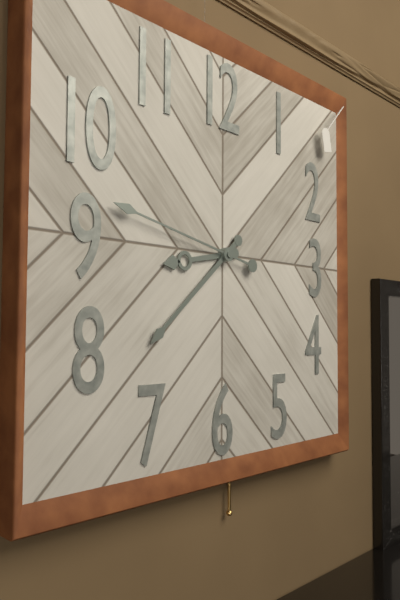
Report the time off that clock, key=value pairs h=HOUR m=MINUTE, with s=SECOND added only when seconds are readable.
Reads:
h=8 m=38 s=47
